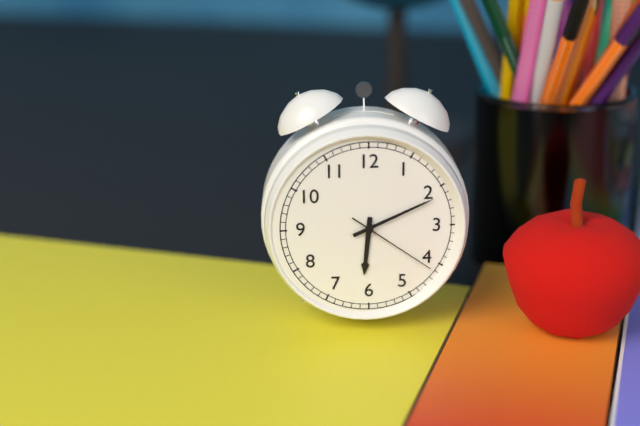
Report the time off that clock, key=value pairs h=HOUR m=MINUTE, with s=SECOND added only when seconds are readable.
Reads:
h=6 m=11 s=21
